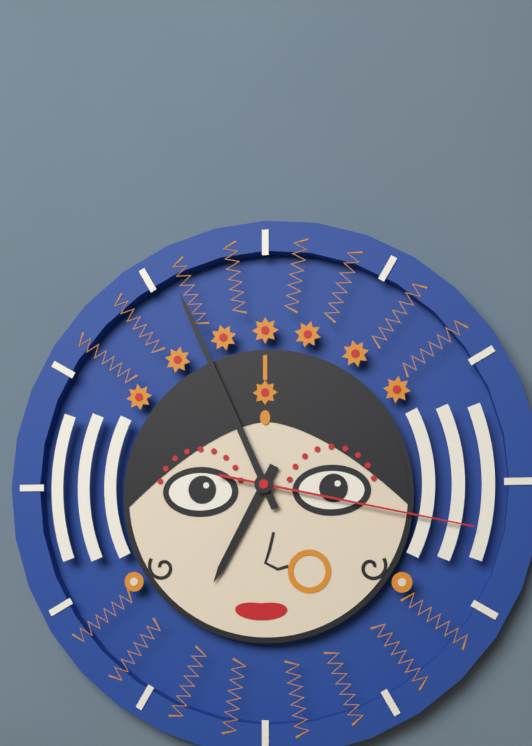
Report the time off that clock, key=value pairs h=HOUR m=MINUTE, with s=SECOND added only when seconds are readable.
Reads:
h=6 m=56 s=17
